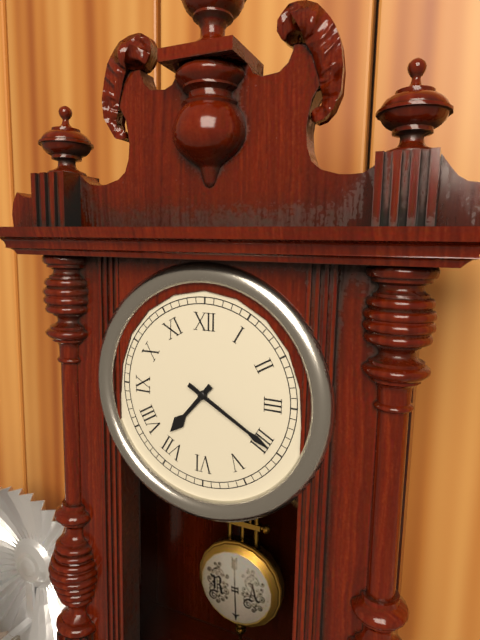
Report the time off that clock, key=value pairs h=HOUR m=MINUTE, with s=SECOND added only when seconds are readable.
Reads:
h=7 m=20
